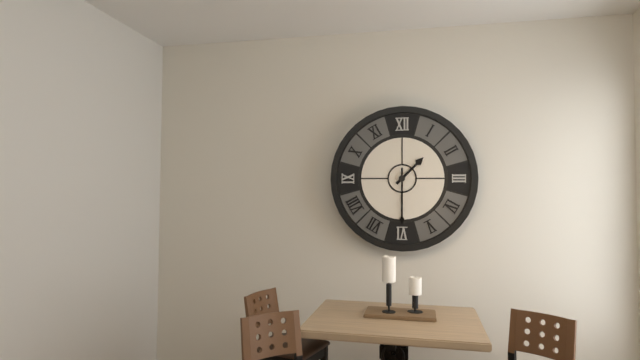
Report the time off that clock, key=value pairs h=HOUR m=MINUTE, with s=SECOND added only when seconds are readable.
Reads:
h=1 m=30
